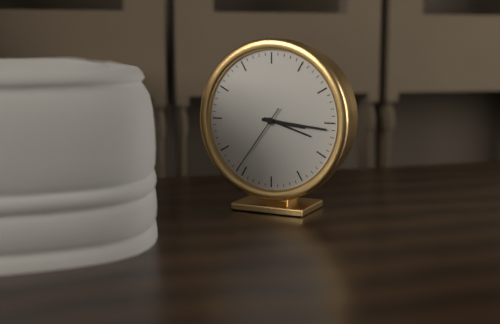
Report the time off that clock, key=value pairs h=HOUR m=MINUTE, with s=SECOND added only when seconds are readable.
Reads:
h=3 m=16 s=36
